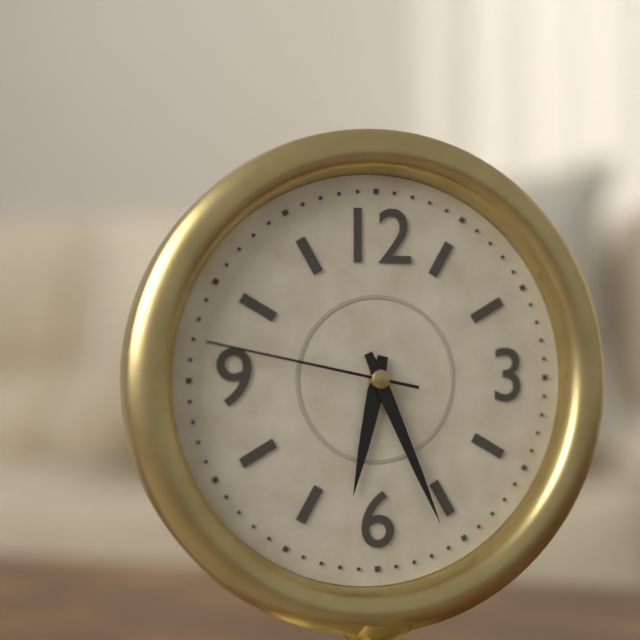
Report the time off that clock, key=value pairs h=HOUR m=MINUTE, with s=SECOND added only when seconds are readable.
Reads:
h=6 m=26 s=47
